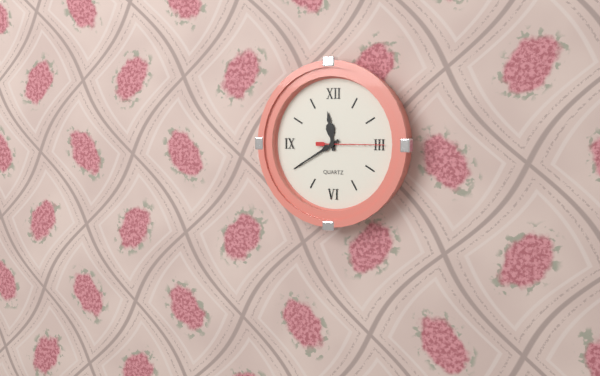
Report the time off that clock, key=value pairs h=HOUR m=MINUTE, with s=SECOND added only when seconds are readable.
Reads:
h=11 m=40 s=15
